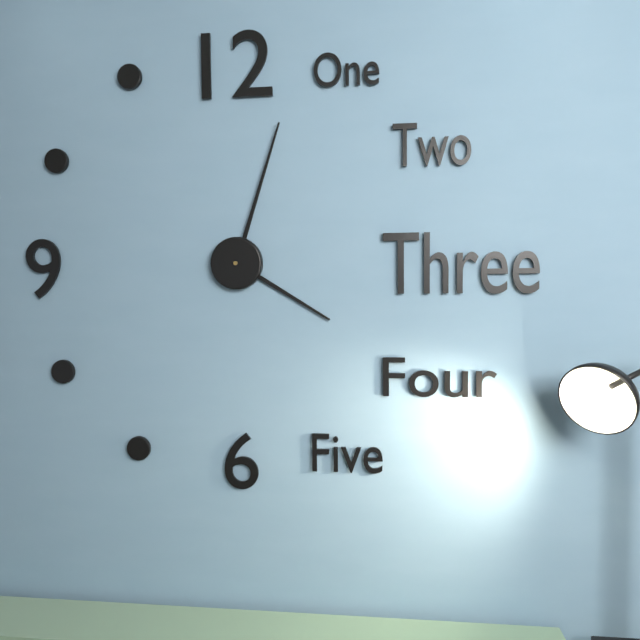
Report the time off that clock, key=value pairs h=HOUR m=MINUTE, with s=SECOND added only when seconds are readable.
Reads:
h=4 m=3
